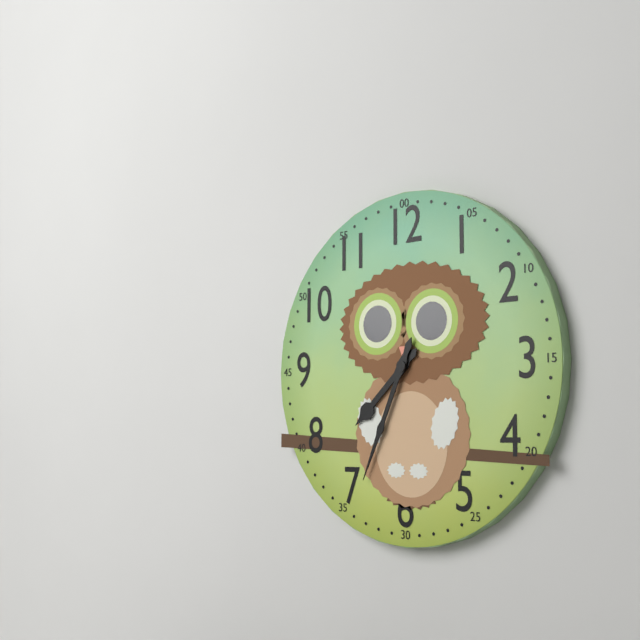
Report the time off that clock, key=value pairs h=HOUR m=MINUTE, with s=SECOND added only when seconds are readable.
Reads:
h=7 m=34
